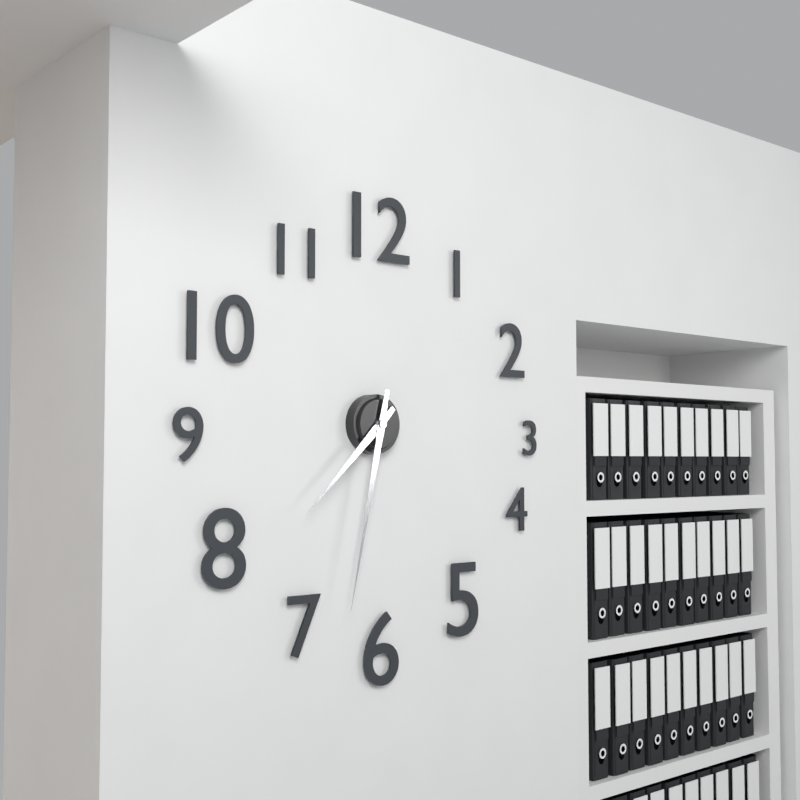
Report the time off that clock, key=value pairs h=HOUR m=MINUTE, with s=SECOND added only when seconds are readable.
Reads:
h=7 m=32
